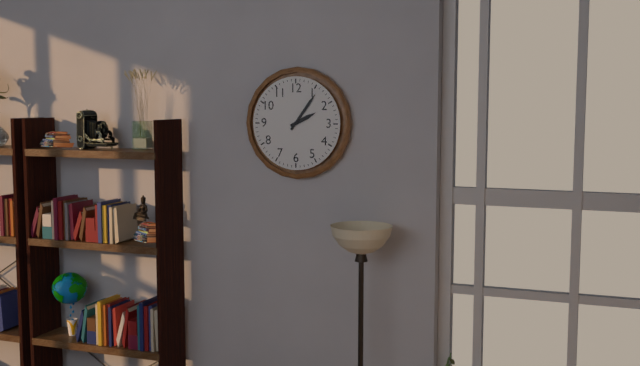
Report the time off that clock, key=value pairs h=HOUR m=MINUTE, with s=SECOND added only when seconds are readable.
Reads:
h=2 m=6
